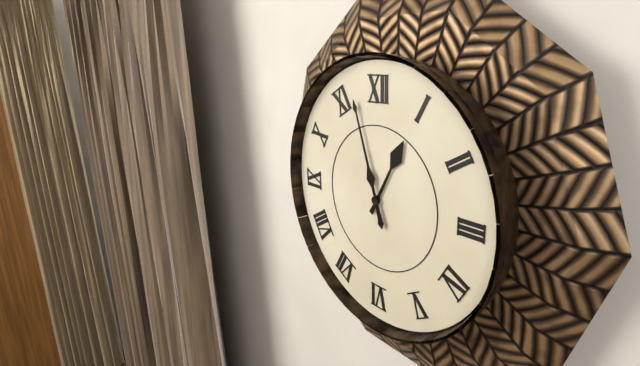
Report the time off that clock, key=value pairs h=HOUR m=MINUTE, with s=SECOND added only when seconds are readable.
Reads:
h=12 m=57
